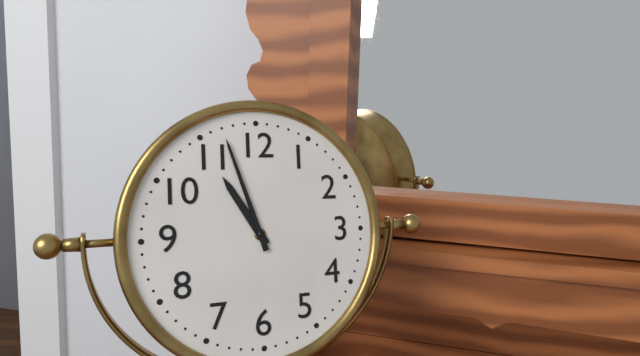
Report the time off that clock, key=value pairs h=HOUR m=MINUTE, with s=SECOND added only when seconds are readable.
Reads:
h=10 m=57
